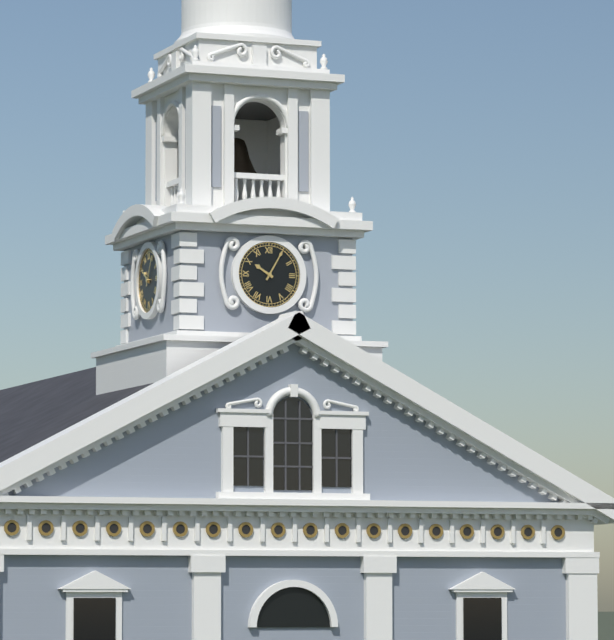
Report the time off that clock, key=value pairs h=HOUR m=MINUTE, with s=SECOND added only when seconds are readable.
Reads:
h=10 m=5
